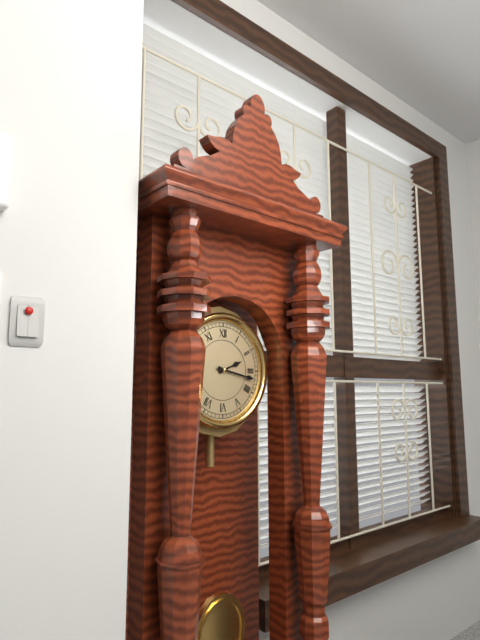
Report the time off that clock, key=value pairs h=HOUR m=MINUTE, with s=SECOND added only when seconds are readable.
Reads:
h=2 m=17
